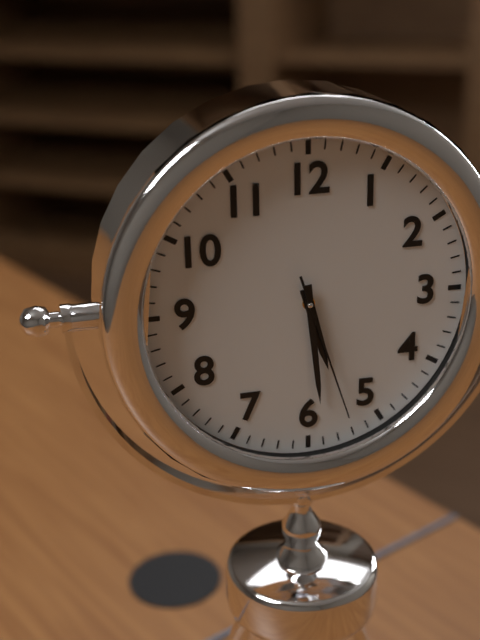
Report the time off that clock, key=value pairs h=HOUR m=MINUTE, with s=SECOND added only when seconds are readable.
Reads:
h=5 m=29 s=27
